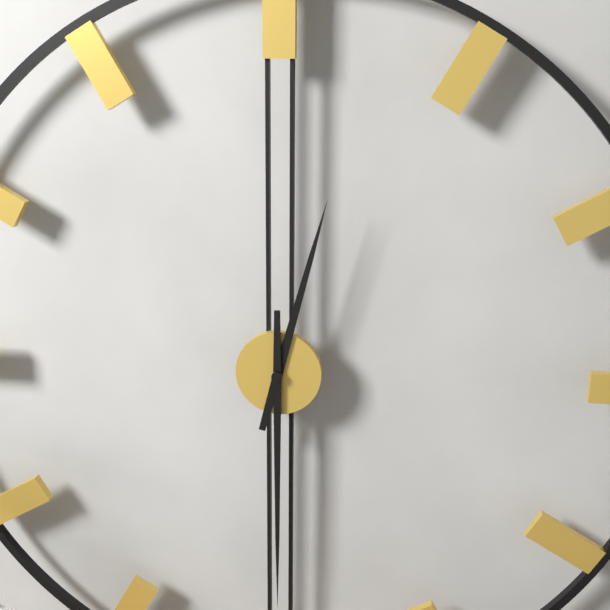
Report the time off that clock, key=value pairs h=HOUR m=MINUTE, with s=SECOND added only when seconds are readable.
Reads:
h=12 m=30
